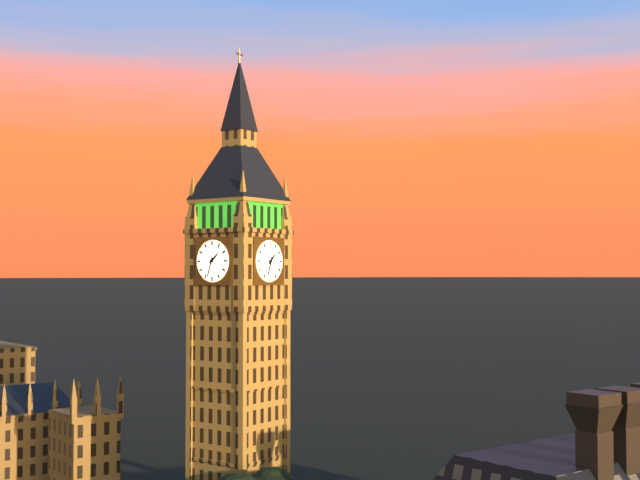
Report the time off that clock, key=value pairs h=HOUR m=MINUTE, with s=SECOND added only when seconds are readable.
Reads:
h=1 m=33
